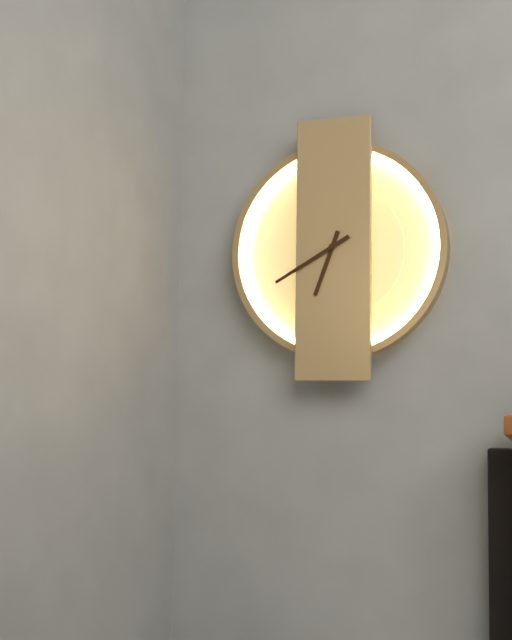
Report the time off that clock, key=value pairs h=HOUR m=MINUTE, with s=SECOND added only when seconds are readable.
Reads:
h=6 m=40
